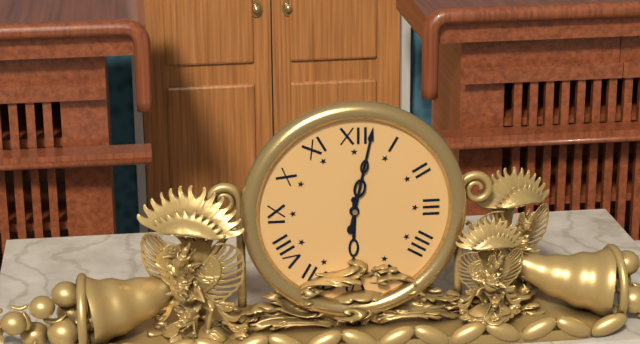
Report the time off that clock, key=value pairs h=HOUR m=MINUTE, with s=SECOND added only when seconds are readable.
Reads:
h=6 m=2
